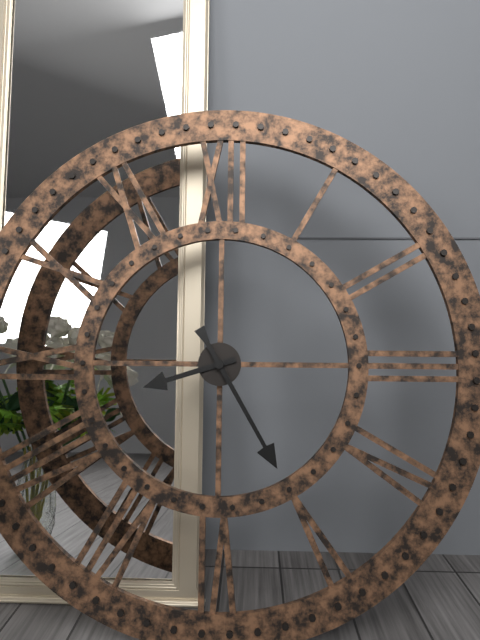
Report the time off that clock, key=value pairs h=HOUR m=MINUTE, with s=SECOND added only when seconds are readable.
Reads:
h=8 m=25
